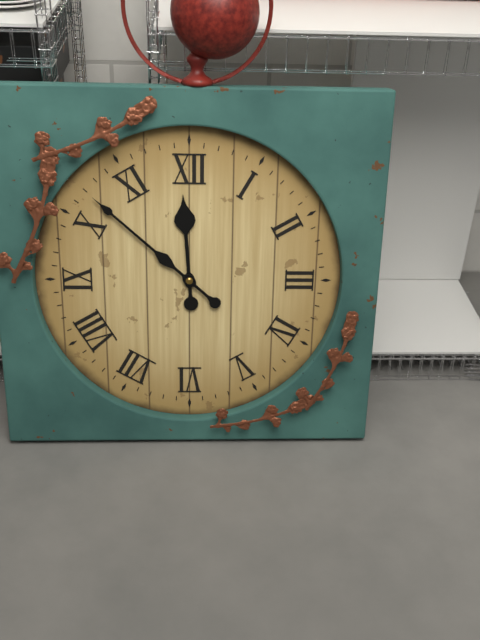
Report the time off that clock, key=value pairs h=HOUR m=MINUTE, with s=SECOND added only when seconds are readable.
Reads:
h=11 m=52
